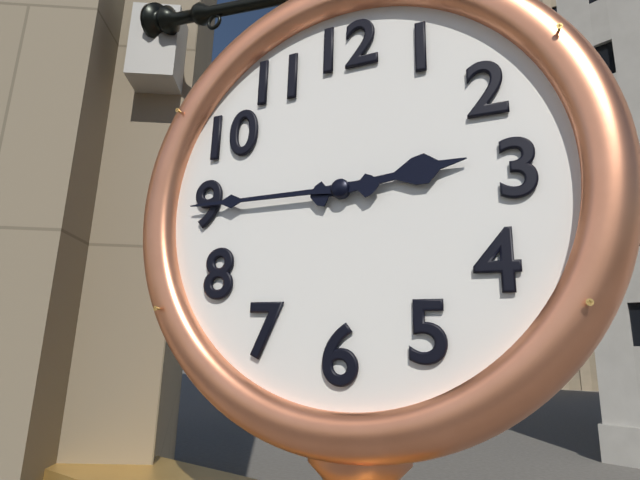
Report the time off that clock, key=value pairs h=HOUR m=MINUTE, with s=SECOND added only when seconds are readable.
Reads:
h=2 m=45
